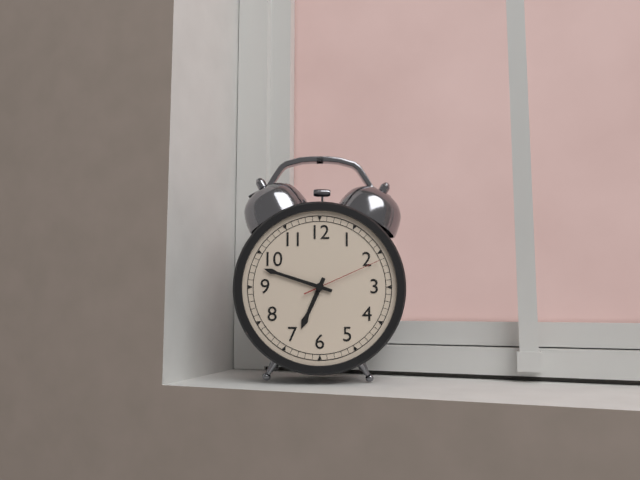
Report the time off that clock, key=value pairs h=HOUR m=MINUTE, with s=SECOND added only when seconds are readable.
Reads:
h=6 m=48 s=11
